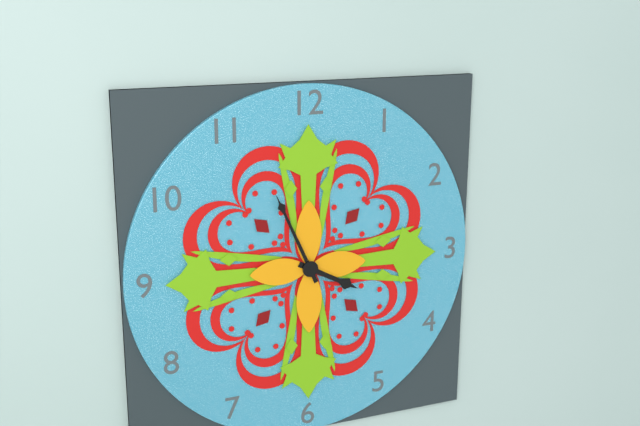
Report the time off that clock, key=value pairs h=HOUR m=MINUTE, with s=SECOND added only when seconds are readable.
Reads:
h=3 m=56
